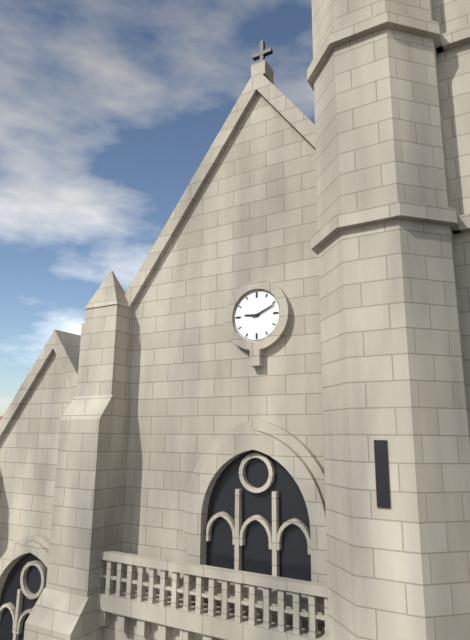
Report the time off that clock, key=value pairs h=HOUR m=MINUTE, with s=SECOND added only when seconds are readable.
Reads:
h=9 m=11
